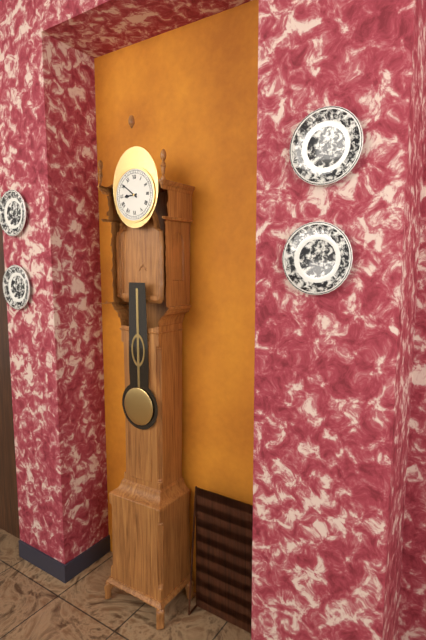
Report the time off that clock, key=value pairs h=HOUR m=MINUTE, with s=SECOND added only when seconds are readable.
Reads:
h=8 m=51
